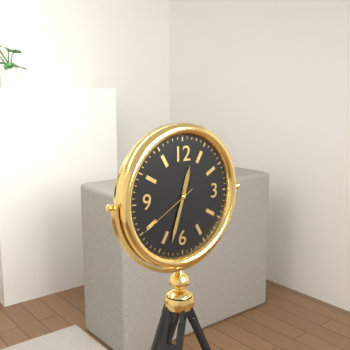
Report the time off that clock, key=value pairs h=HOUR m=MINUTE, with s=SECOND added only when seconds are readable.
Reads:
h=12 m=33 s=40
